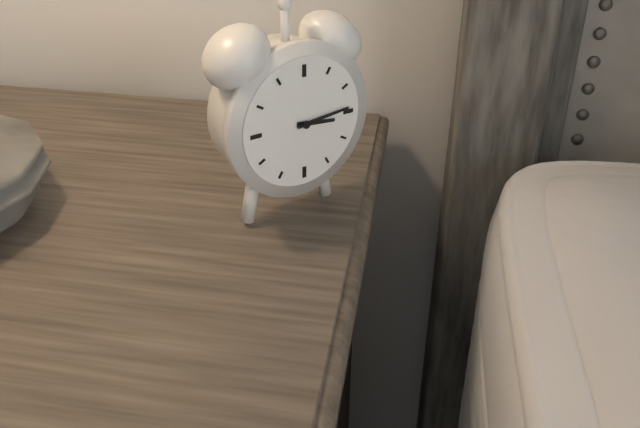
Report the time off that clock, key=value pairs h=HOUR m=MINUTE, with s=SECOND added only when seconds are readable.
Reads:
h=3 m=14
